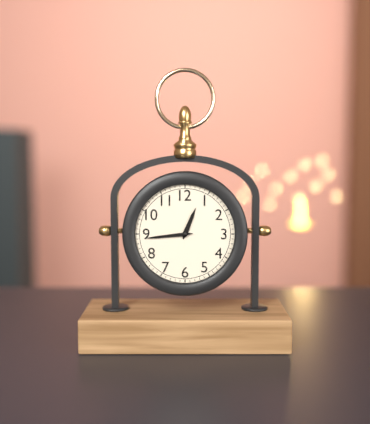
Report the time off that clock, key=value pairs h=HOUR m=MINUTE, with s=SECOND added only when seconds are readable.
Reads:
h=12 m=44
